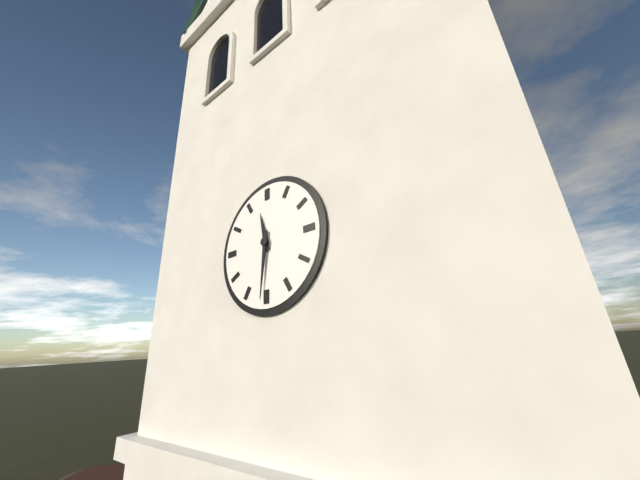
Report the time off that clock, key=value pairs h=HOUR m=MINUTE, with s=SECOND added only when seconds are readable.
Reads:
h=11 m=31
